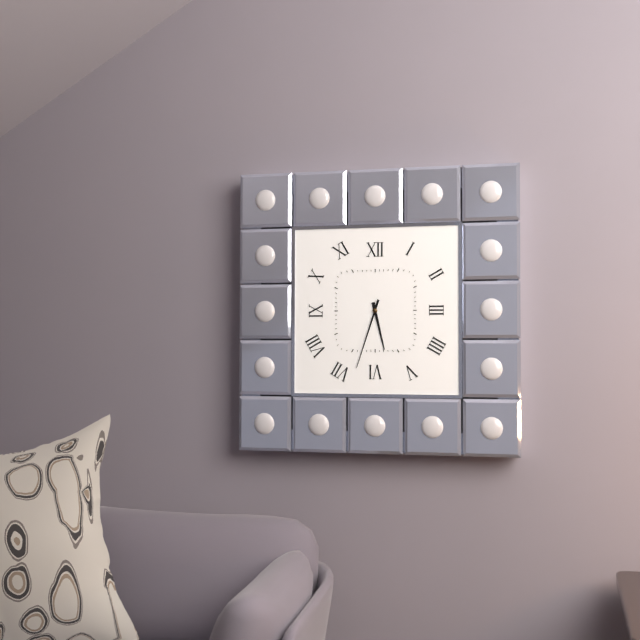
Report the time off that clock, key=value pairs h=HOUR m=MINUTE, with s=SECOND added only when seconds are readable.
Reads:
h=5 m=33
